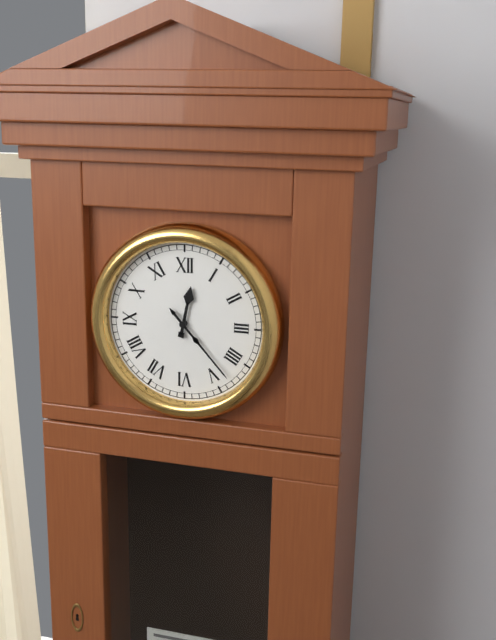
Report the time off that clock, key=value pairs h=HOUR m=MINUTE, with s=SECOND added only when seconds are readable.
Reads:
h=12 m=23
